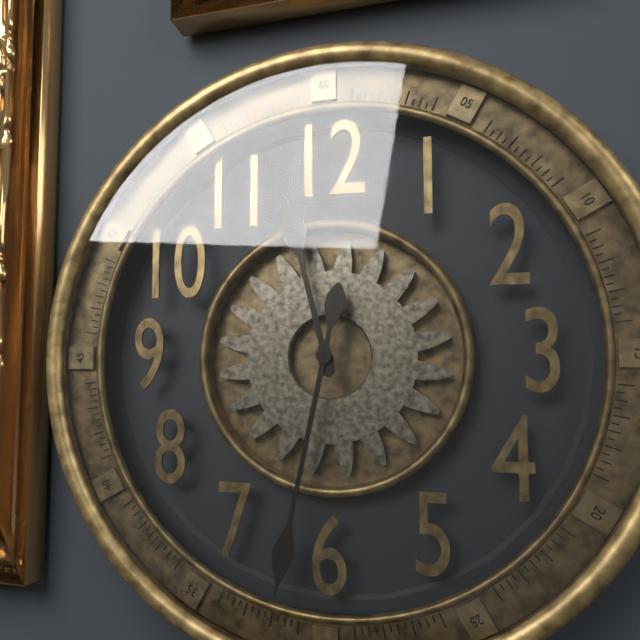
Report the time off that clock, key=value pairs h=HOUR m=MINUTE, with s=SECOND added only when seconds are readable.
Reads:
h=11 m=32
